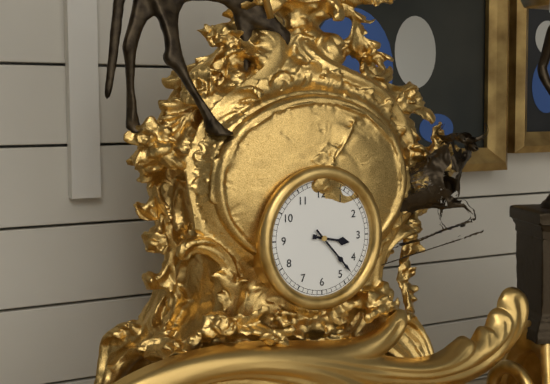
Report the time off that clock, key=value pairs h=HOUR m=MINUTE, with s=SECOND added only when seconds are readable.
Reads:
h=3 m=23
